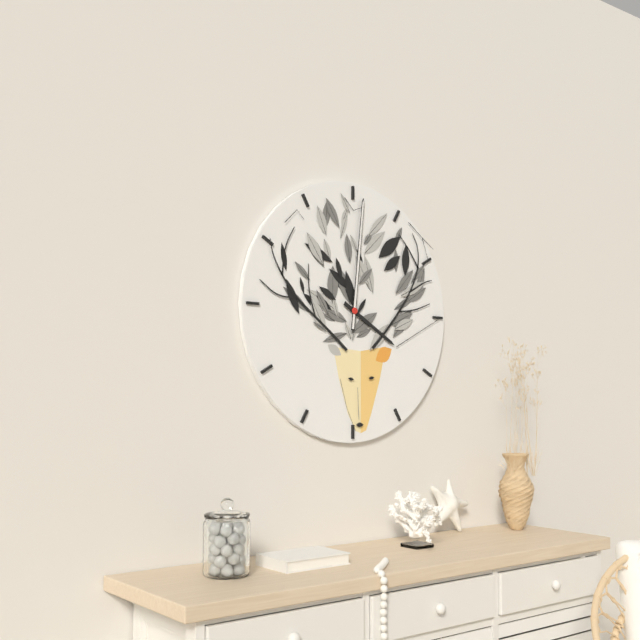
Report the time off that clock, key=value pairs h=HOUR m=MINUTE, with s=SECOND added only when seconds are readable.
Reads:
h=4 m=1
